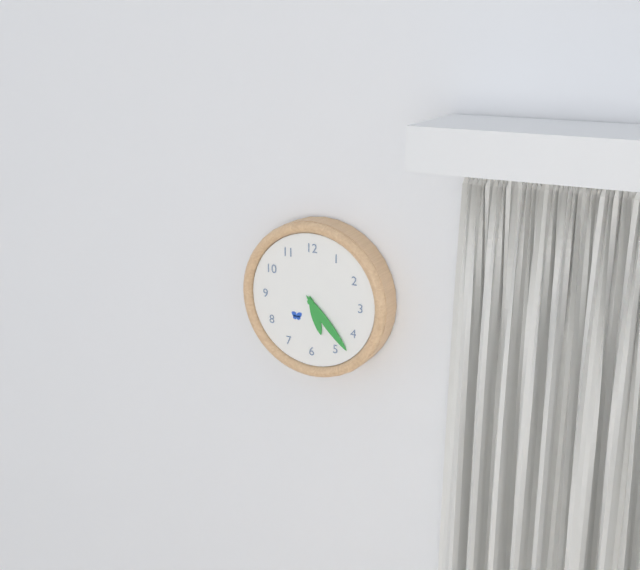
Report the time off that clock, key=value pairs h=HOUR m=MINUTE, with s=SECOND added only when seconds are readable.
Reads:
h=5 m=23
